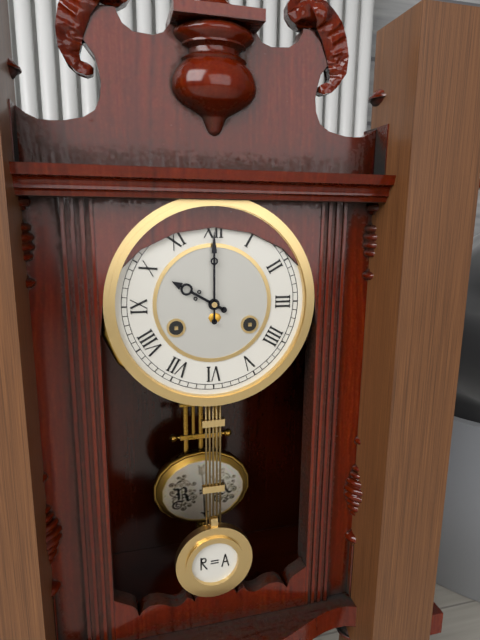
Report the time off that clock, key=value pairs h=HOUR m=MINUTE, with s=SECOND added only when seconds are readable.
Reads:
h=10 m=0
